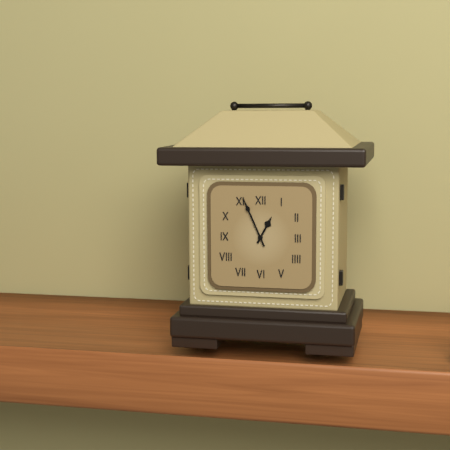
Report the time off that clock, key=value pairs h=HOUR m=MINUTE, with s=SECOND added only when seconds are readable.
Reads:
h=12 m=56
